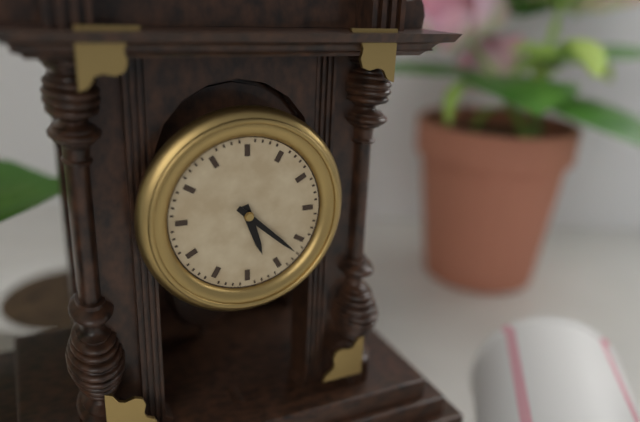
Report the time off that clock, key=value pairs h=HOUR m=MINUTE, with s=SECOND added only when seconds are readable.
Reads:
h=5 m=22
